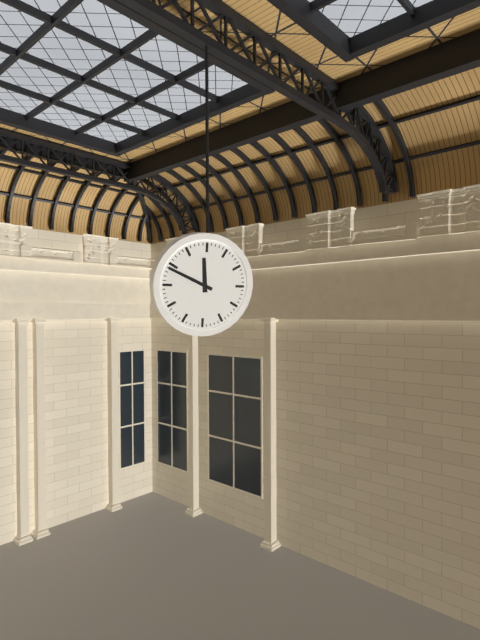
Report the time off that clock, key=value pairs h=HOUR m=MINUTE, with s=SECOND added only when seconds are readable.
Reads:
h=11 m=49
